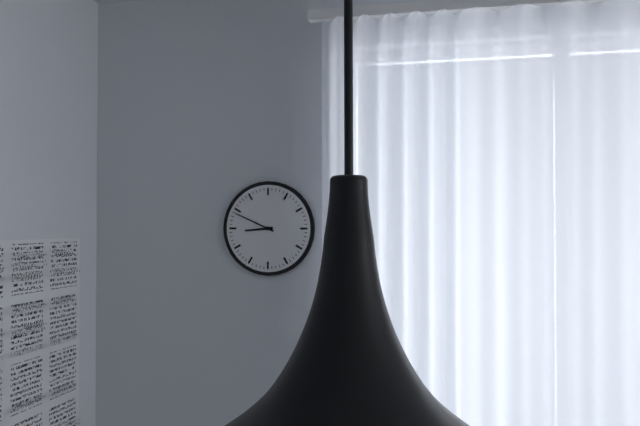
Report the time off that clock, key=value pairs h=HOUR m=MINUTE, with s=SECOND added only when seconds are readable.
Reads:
h=8 m=49
